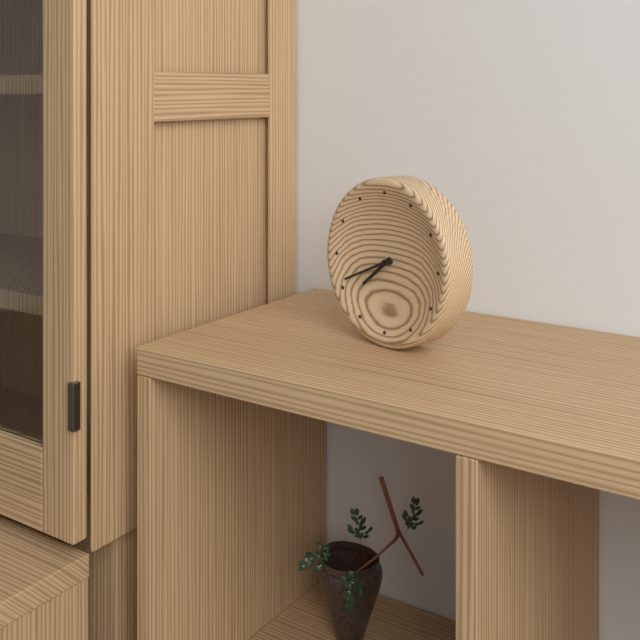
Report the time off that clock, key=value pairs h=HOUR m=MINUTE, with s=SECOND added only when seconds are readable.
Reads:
h=7 m=41
